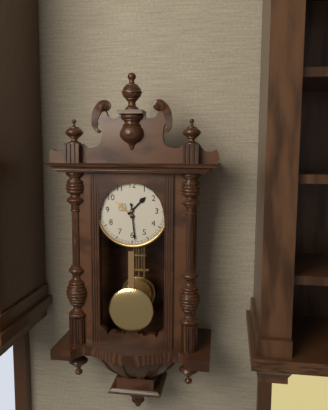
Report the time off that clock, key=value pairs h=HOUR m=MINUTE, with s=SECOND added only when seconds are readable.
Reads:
h=1 m=29
